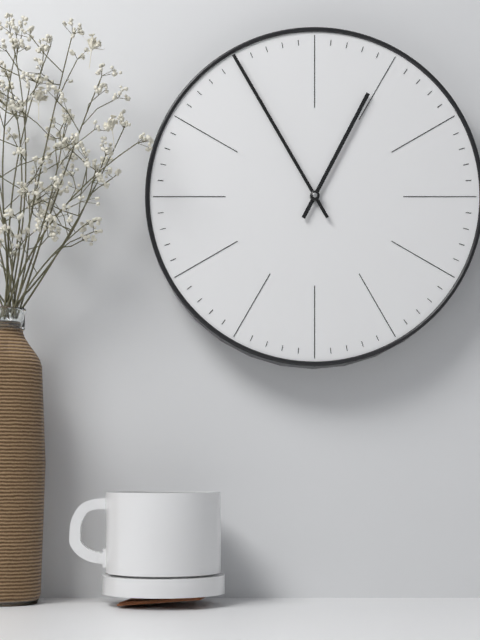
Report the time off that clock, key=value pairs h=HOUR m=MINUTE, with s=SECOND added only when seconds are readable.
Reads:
h=12 m=55
